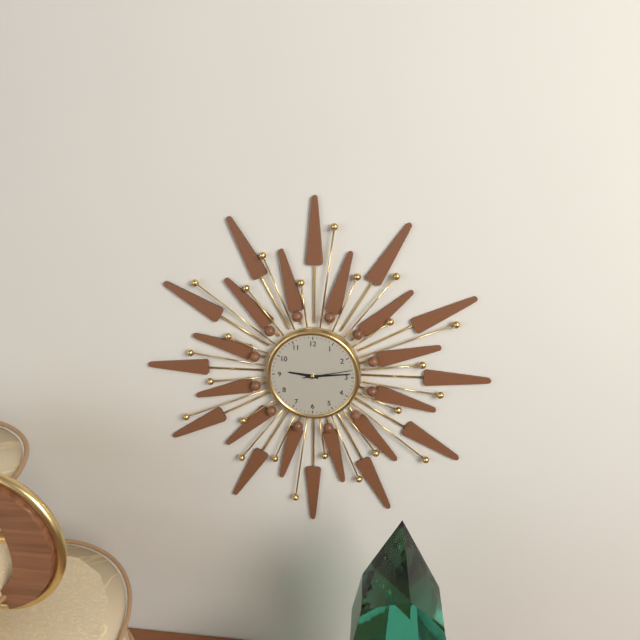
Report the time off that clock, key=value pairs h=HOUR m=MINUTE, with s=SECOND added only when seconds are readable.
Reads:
h=9 m=14 s=13
